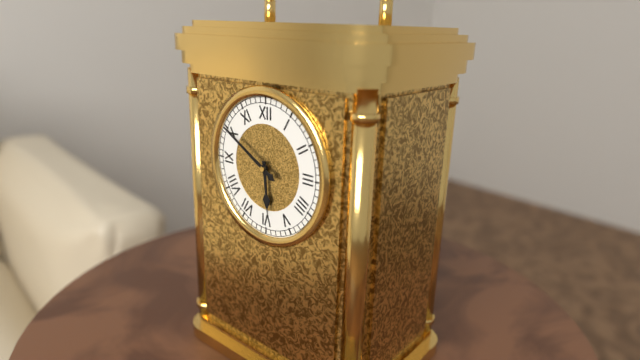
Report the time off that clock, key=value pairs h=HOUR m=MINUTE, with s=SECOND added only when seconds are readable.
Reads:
h=5 m=50
